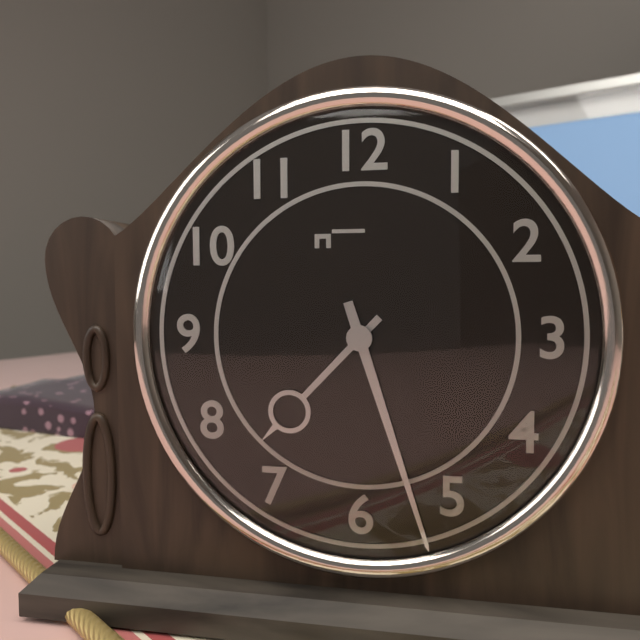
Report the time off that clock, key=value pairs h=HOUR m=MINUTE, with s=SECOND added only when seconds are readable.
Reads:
h=7 m=27
